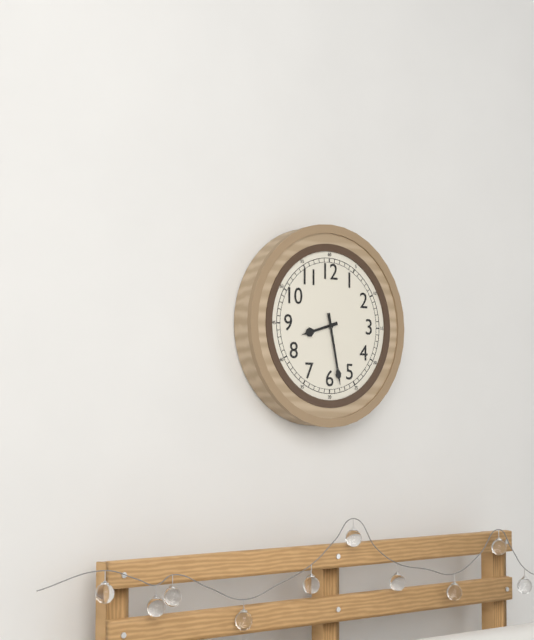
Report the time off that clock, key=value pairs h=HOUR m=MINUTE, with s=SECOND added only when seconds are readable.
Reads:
h=8 m=28
